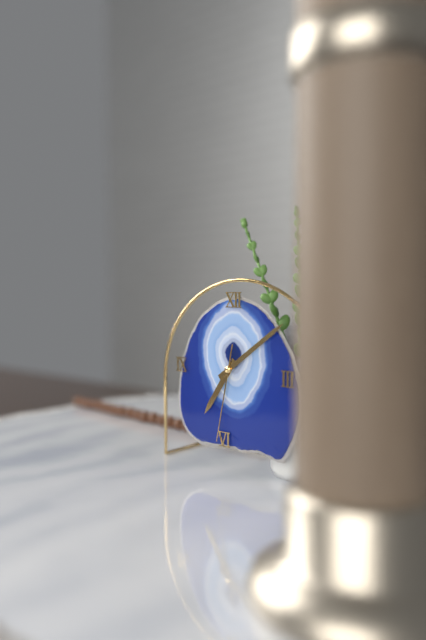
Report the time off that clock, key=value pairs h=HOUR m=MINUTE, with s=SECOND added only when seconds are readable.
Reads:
h=7 m=9 s=32
